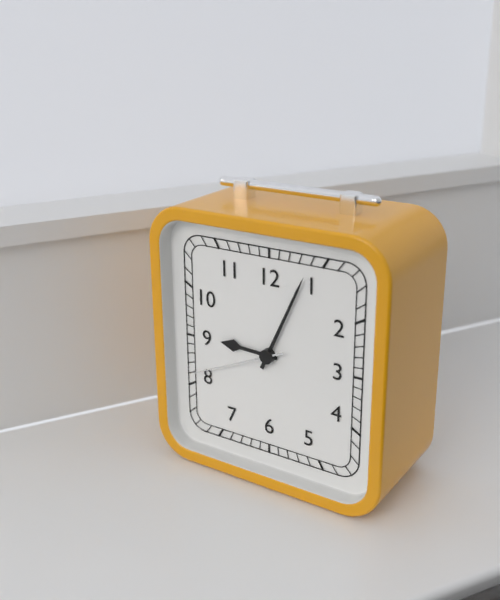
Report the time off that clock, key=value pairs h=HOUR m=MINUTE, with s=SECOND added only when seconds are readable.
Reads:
h=9 m=4 s=41
